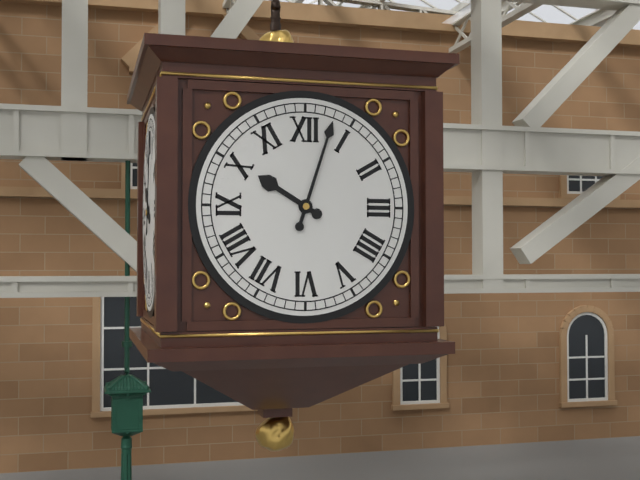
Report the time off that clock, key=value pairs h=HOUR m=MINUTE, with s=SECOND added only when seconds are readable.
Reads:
h=10 m=3
